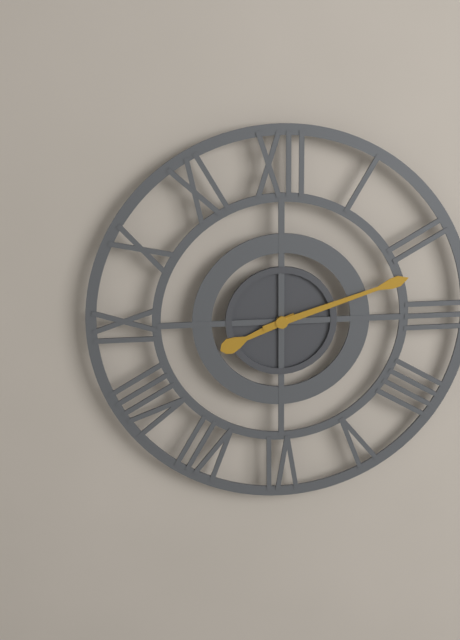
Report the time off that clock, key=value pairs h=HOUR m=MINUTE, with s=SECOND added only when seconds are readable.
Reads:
h=8 m=12
